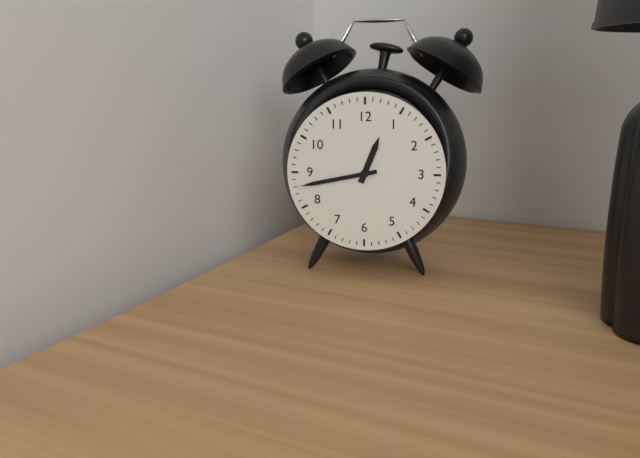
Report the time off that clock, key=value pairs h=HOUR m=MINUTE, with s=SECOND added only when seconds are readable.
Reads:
h=12 m=43
